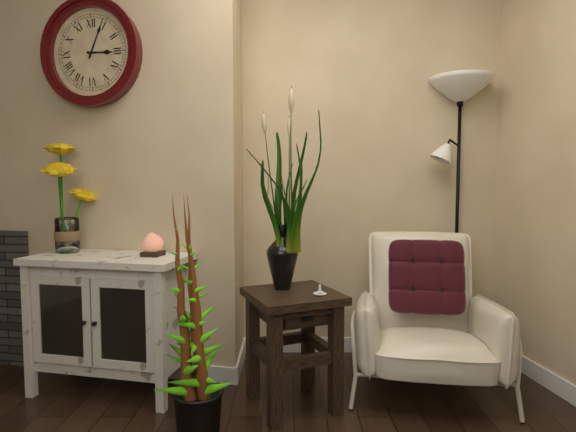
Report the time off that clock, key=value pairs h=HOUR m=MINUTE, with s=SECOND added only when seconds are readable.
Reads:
h=3 m=4
